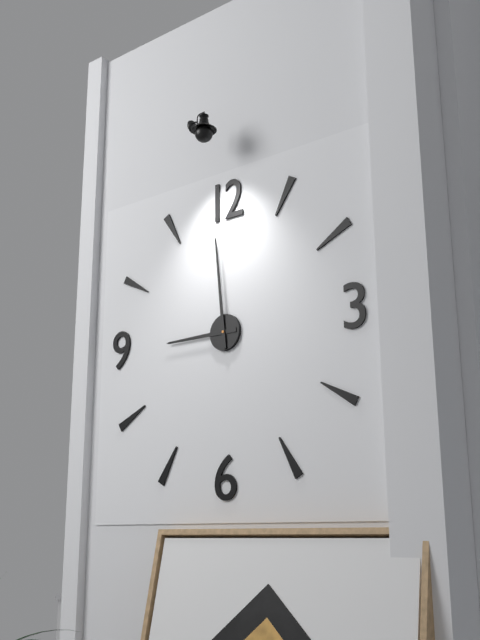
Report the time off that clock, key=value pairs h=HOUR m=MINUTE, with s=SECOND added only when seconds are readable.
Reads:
h=8 m=59
